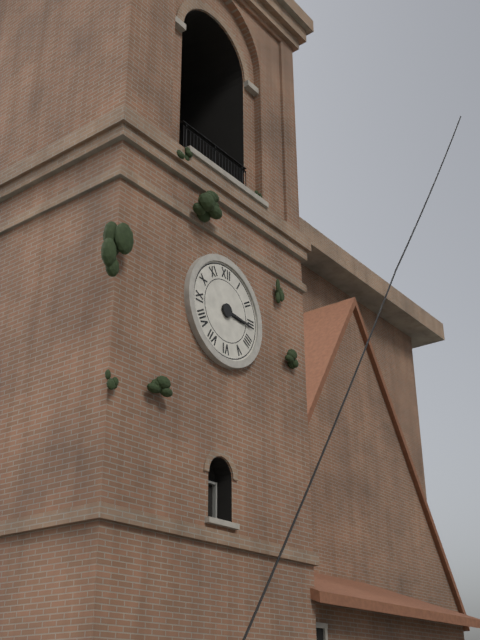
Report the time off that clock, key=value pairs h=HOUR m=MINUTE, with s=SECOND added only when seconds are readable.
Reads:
h=3 m=16
